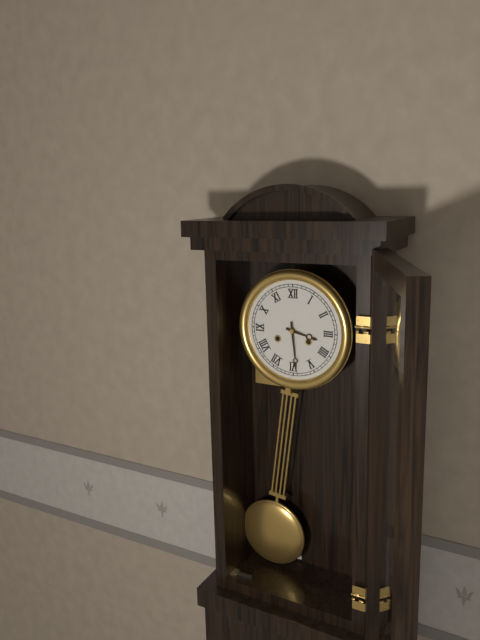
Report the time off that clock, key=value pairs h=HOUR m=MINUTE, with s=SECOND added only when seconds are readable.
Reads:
h=3 m=29
